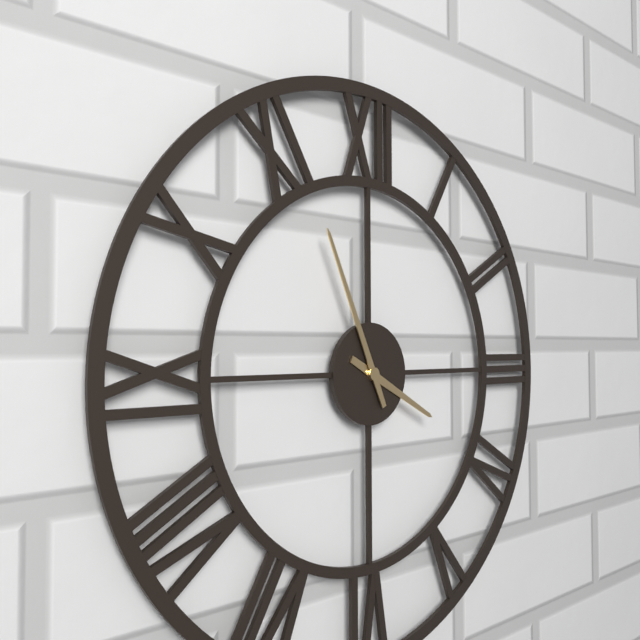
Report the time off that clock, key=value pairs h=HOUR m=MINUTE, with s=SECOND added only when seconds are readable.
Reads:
h=3 m=56
